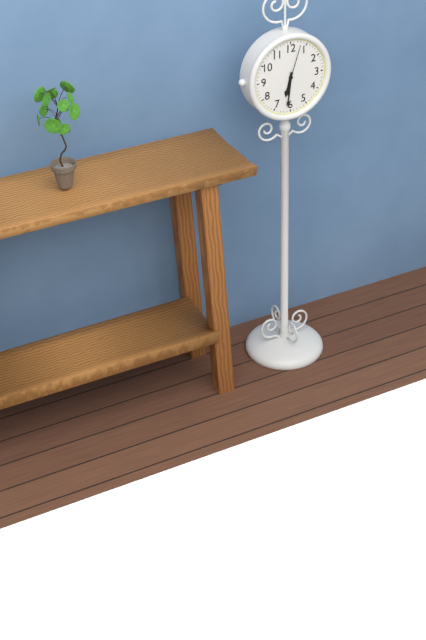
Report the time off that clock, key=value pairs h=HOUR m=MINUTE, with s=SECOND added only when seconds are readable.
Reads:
h=6 m=31
